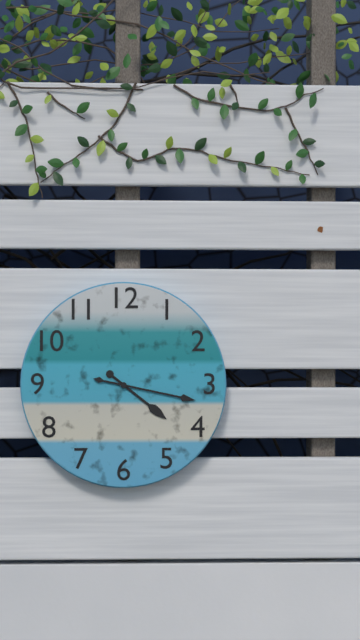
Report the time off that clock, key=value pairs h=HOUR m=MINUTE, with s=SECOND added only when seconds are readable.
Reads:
h=4 m=17
